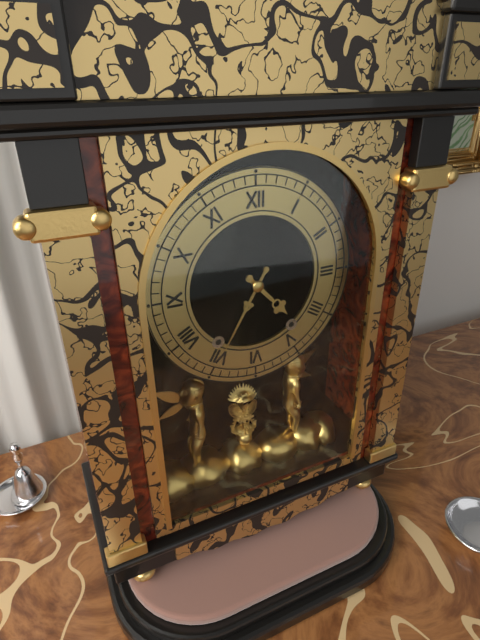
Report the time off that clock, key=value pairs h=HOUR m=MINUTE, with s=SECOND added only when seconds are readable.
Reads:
h=4 m=35
